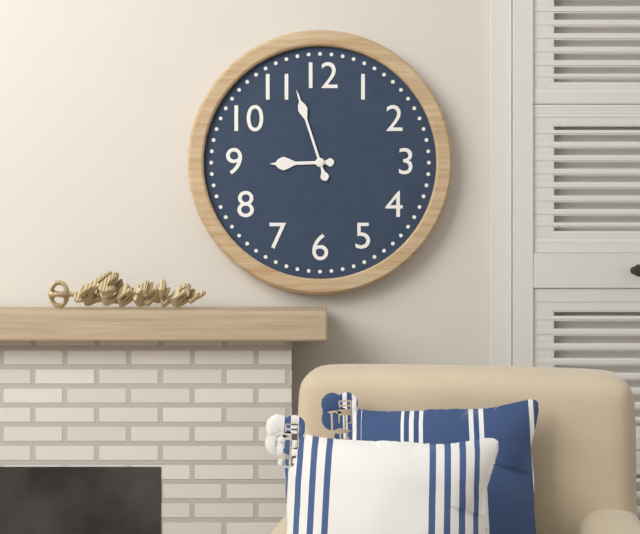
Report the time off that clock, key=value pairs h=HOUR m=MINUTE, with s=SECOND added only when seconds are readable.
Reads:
h=8 m=57
